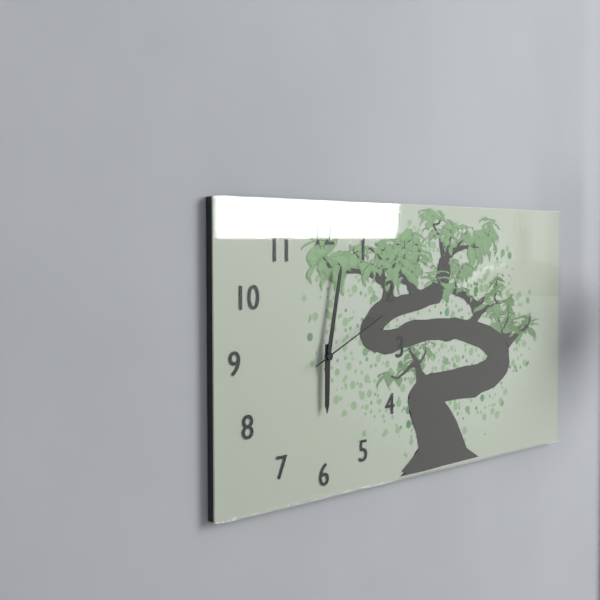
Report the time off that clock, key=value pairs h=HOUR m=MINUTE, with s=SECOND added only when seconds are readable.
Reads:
h=6 m=2 s=11
